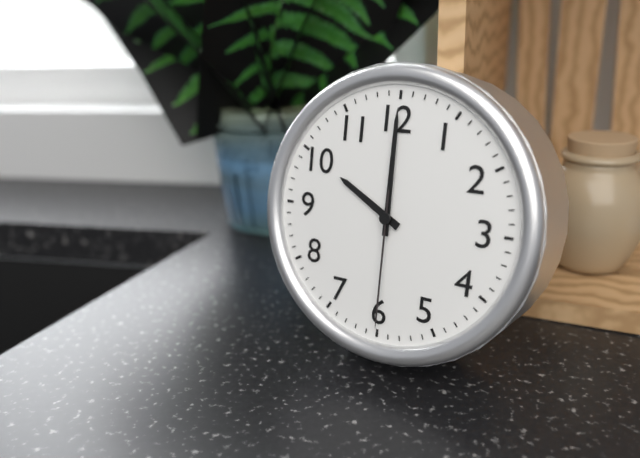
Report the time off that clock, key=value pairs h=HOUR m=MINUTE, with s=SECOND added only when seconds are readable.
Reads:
h=10 m=0 s=30
